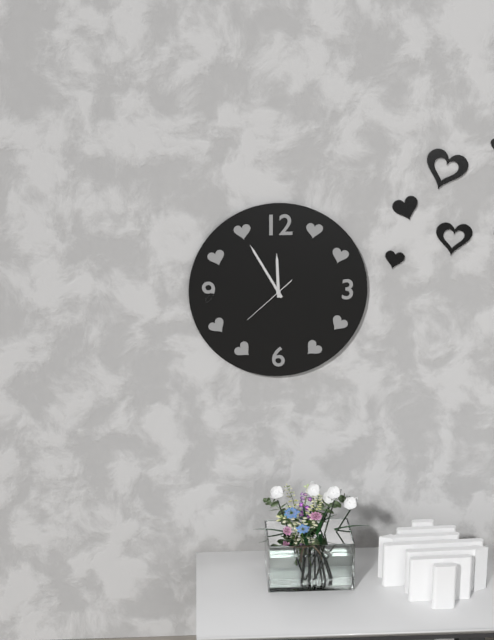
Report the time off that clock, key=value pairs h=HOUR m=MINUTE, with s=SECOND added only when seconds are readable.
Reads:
h=11 m=55 s=38
